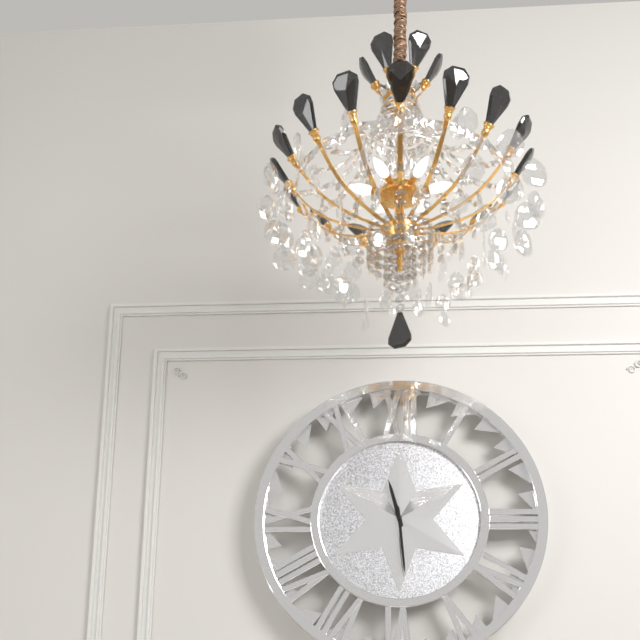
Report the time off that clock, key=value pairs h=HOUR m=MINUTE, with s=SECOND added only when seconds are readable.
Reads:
h=11 m=29
